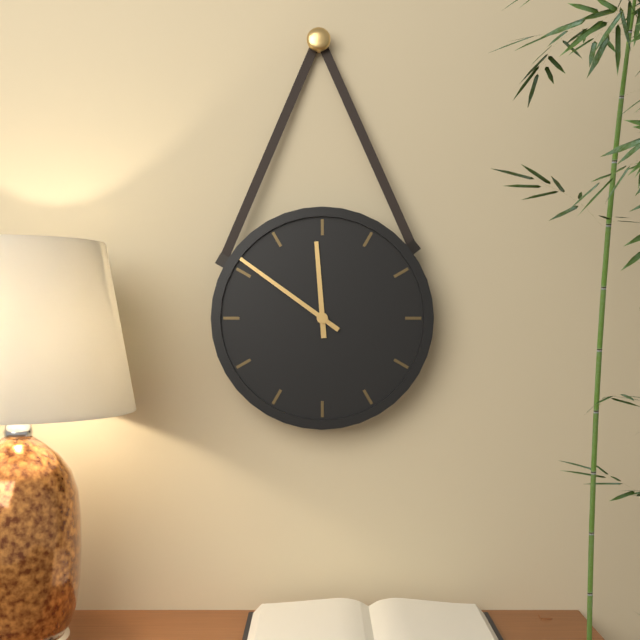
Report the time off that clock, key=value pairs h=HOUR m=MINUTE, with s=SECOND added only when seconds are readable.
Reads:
h=11 m=51
